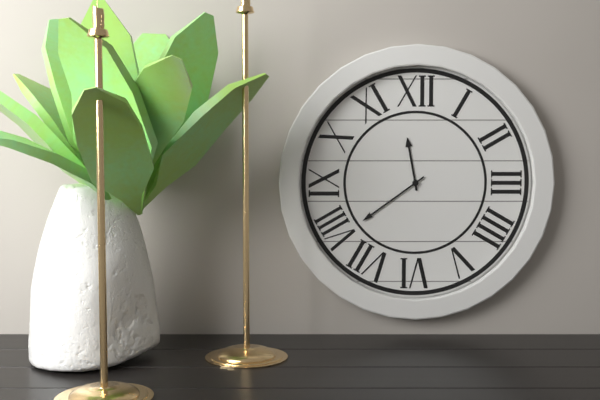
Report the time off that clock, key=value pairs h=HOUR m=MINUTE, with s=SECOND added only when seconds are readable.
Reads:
h=11 m=39
